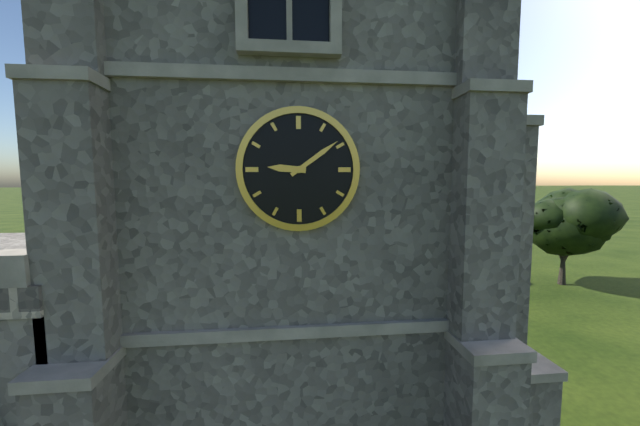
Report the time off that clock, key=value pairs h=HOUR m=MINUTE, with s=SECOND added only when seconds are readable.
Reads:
h=9 m=9
